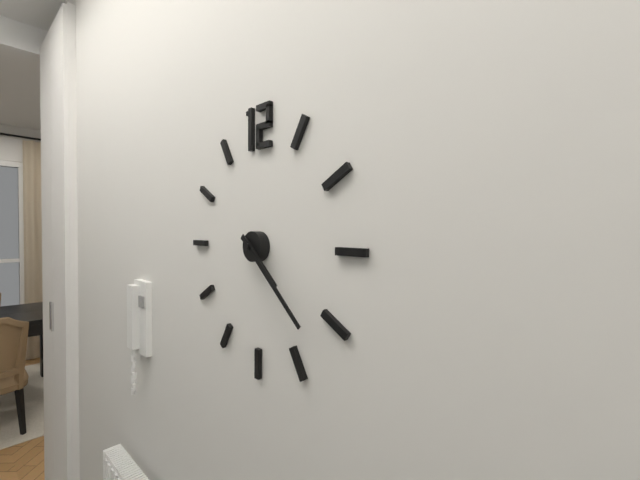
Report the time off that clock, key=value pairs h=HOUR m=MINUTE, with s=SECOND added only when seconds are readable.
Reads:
h=4 m=22
